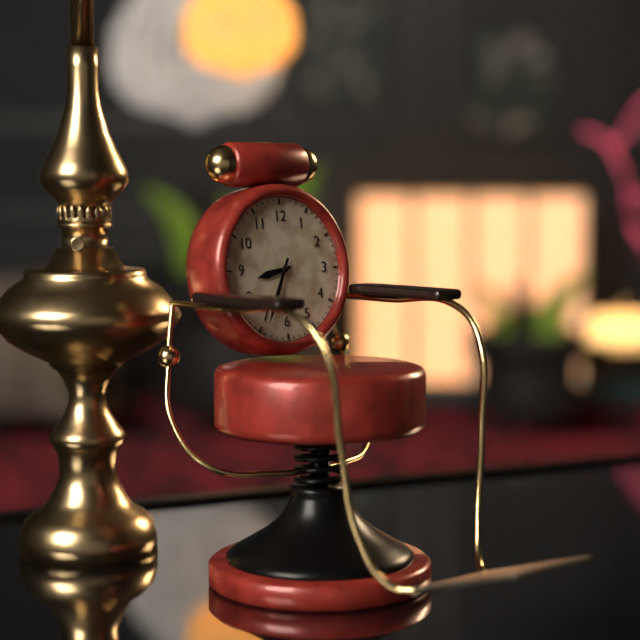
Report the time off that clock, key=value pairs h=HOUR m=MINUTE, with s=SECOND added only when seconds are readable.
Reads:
h=8 m=34
